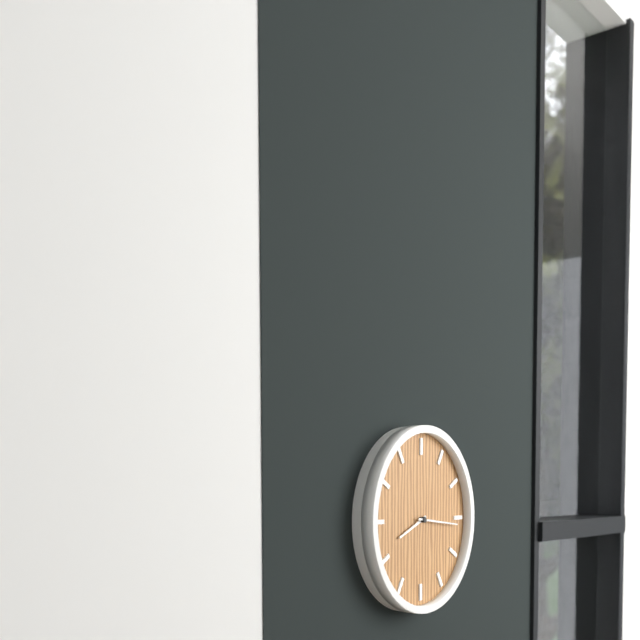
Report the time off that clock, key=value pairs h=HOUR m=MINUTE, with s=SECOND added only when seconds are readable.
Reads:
h=8 m=16
